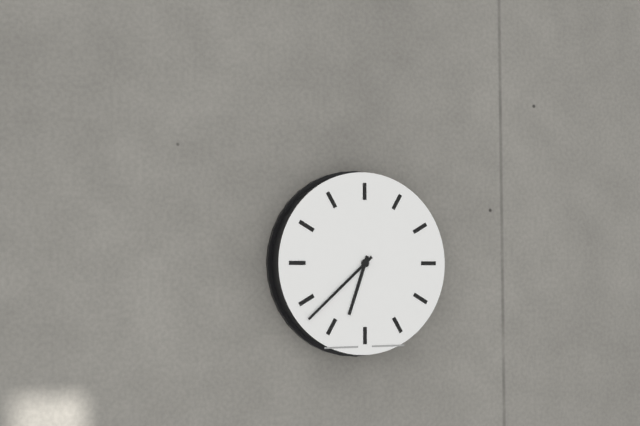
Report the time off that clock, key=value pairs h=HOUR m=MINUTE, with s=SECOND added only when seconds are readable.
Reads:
h=6 m=38
